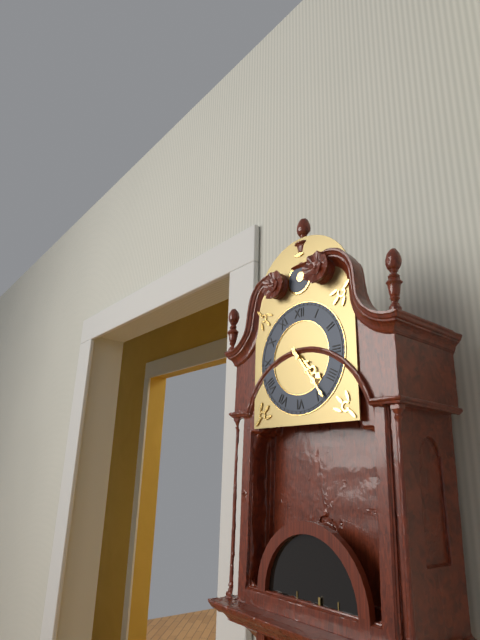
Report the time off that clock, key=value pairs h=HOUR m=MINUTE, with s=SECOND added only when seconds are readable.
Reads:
h=4 m=24
